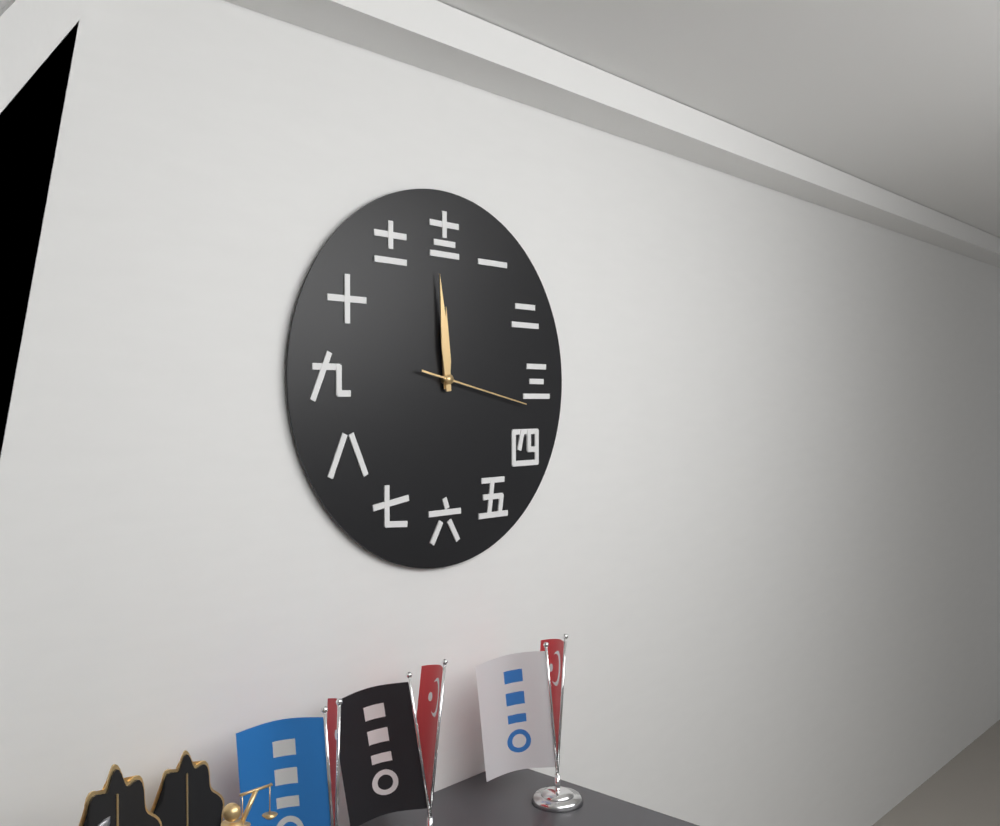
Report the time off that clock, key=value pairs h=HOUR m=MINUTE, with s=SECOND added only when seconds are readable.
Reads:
h=11 m=59 s=17
